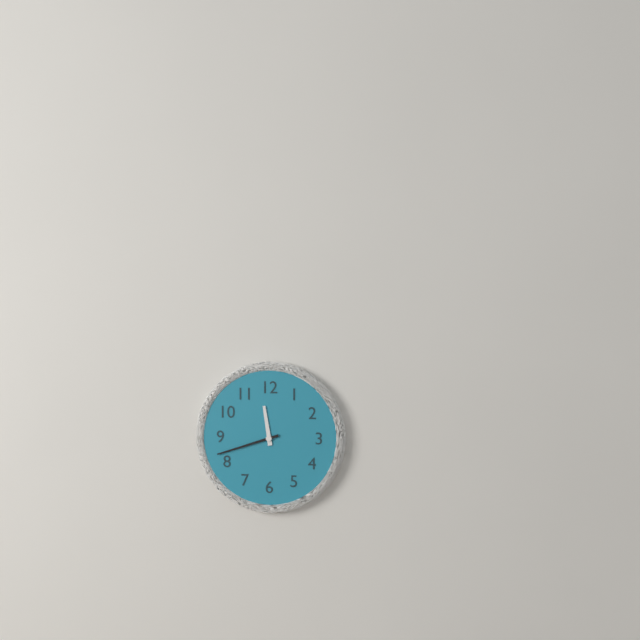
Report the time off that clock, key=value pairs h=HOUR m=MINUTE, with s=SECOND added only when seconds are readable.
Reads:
h=11 m=42
